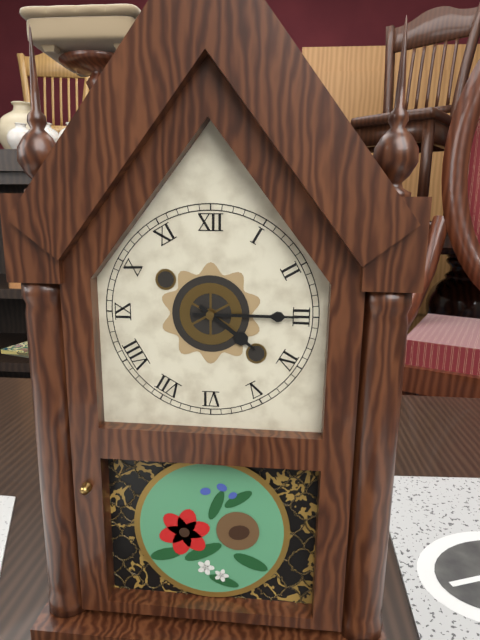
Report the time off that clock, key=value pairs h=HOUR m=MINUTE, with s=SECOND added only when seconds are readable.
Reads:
h=4 m=15
